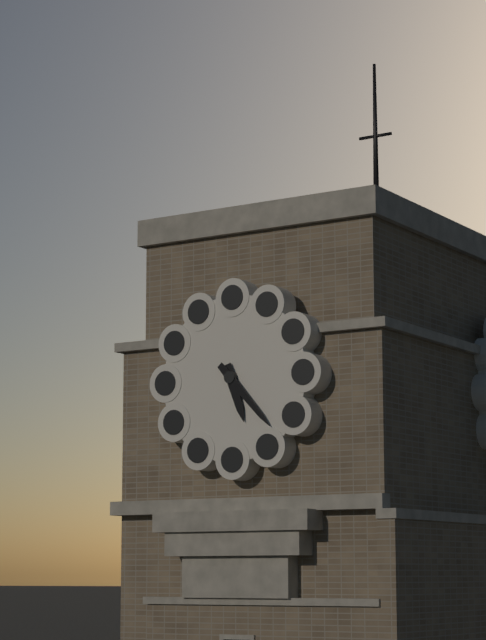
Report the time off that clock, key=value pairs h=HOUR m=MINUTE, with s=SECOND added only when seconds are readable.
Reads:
h=5 m=23
